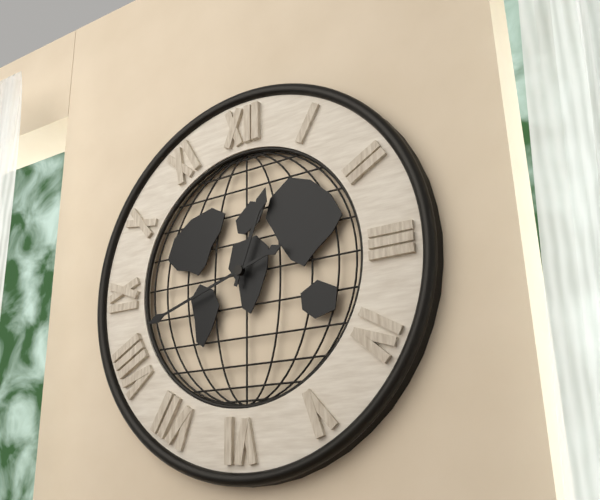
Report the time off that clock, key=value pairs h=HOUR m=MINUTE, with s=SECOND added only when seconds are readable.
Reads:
h=12 m=42
